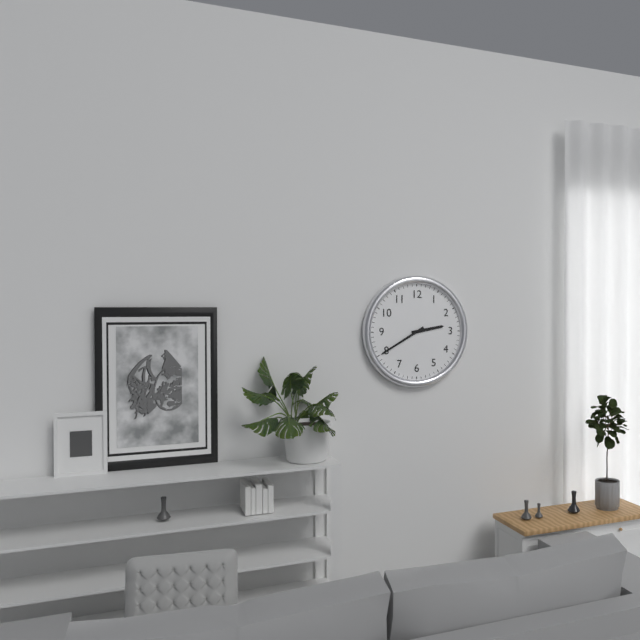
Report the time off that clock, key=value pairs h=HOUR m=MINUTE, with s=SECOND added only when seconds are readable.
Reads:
h=2 m=40
